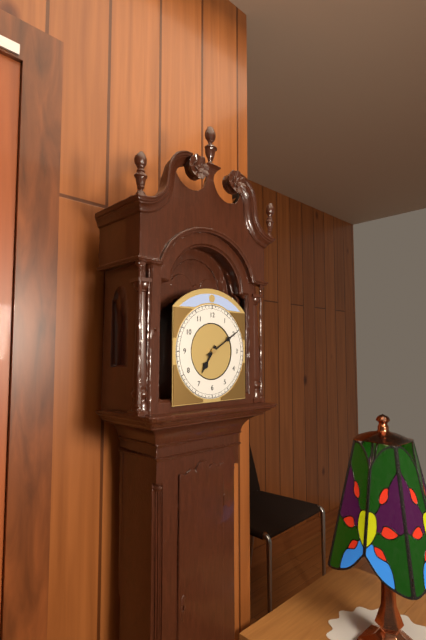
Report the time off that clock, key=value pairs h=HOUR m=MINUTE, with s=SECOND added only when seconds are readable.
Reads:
h=7 m=10
